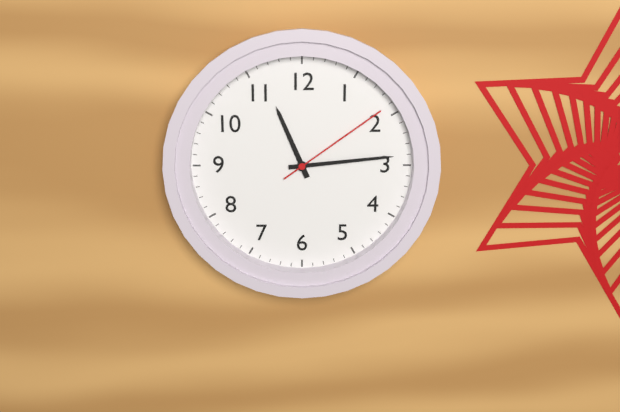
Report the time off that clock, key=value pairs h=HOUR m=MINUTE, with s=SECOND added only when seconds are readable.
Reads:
h=11 m=14 s=9
